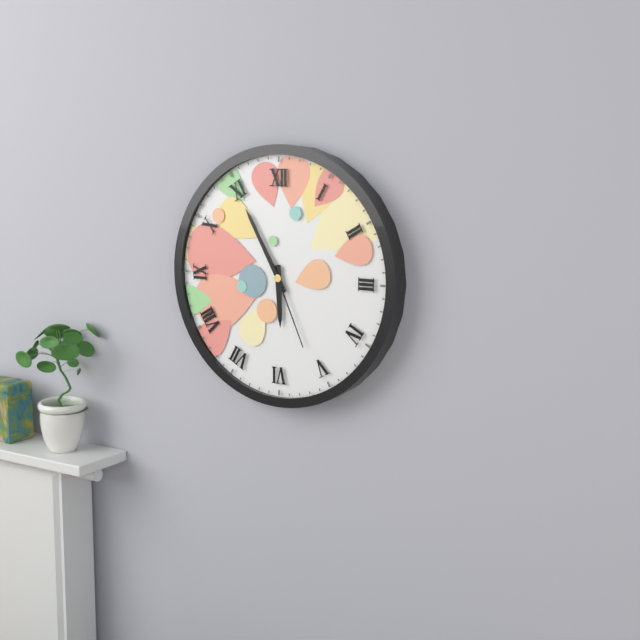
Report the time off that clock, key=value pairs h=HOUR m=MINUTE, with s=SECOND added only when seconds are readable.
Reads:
h=5 m=55 s=26
